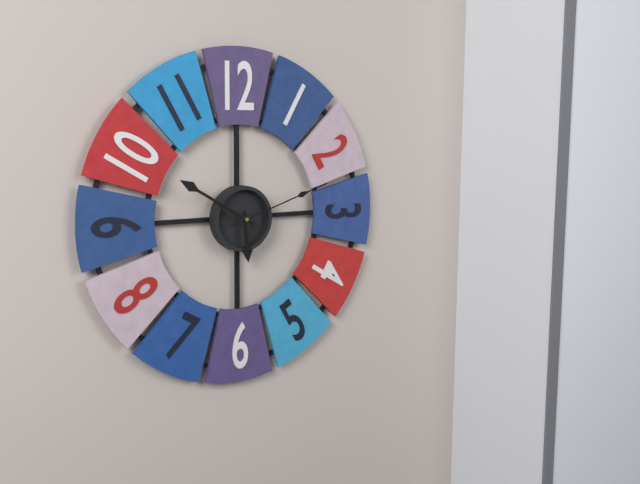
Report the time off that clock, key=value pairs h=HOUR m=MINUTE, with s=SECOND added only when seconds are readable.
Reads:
h=5 m=50 s=12
